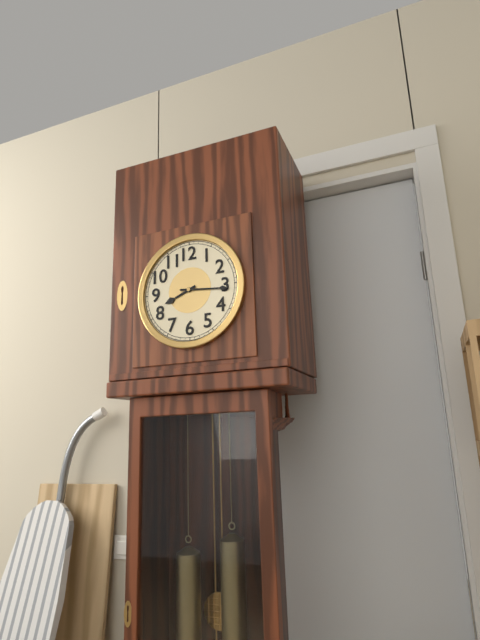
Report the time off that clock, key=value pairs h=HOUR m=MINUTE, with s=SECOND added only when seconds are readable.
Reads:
h=8 m=16
